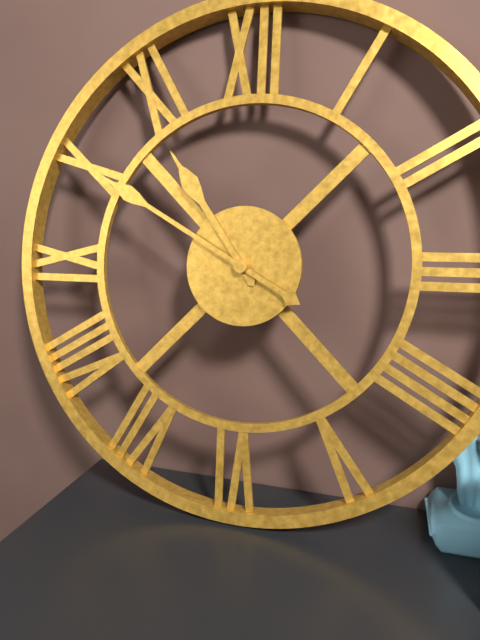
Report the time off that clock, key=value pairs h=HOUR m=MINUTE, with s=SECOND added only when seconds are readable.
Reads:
h=10 m=50
